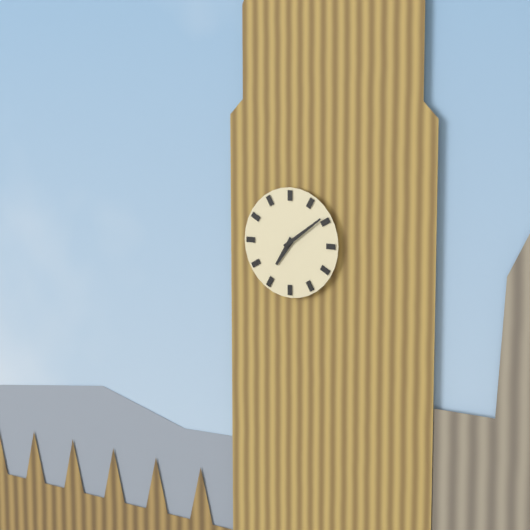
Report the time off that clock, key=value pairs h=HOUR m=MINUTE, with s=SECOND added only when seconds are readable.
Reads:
h=7 m=9
